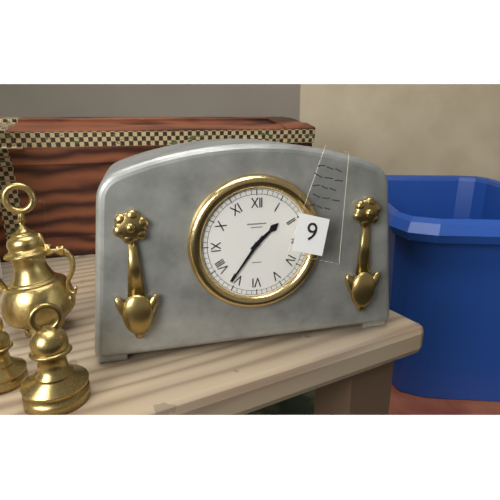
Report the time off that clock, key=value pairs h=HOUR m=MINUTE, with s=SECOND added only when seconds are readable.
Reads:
h=1 m=36
